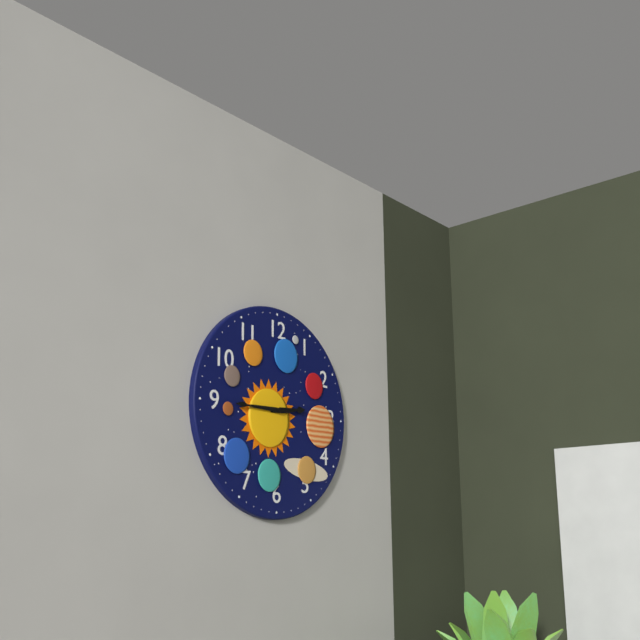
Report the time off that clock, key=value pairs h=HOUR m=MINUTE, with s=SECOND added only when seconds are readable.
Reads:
h=2 m=45
